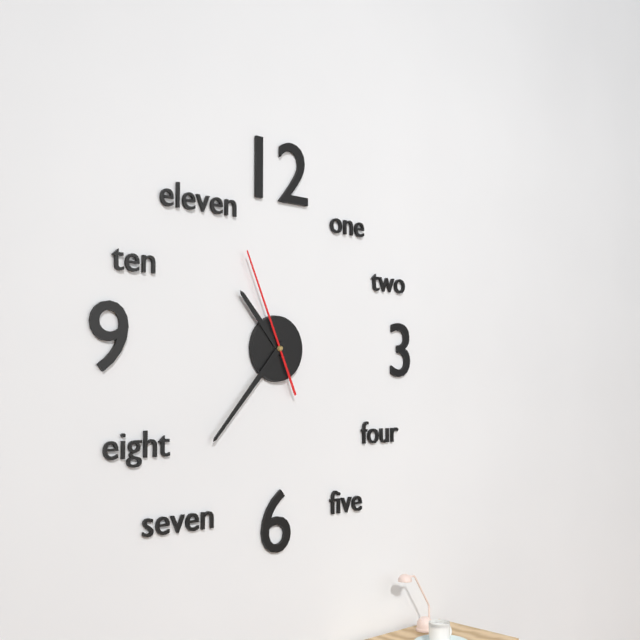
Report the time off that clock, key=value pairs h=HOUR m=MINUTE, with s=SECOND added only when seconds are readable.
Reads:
h=10 m=37 s=56
